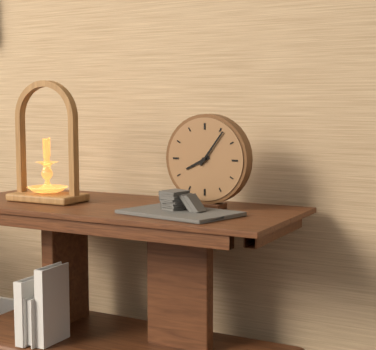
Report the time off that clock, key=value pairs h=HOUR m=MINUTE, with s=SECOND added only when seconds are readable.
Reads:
h=8 m=6
